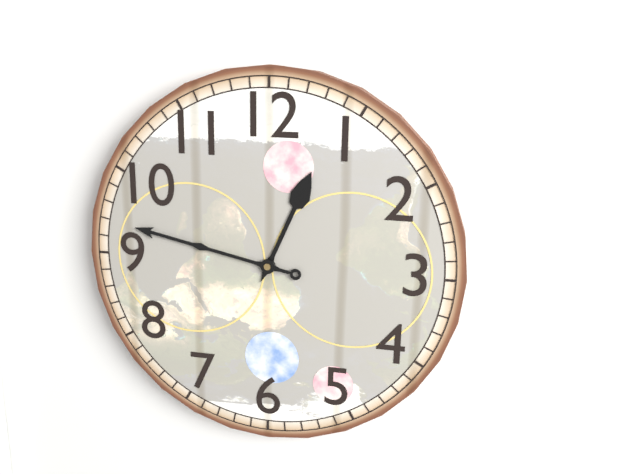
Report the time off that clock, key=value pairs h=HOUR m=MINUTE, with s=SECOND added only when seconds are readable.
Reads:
h=12 m=47
